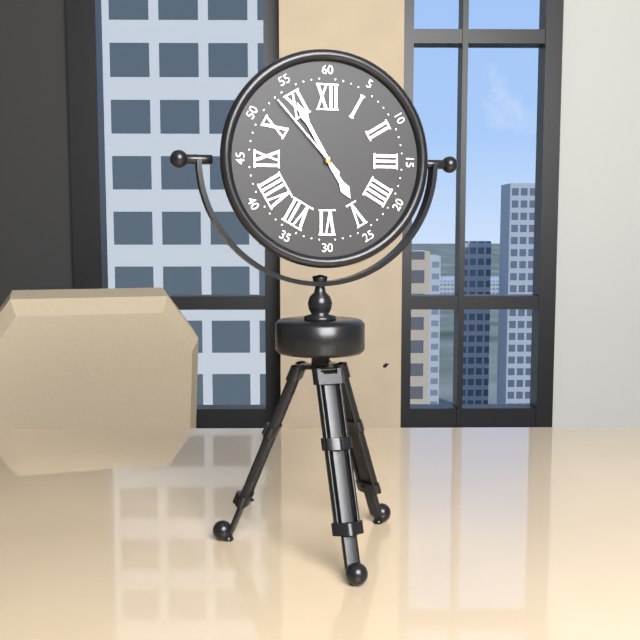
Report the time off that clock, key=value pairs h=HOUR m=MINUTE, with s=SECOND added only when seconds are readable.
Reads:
h=4 m=55 s=53
